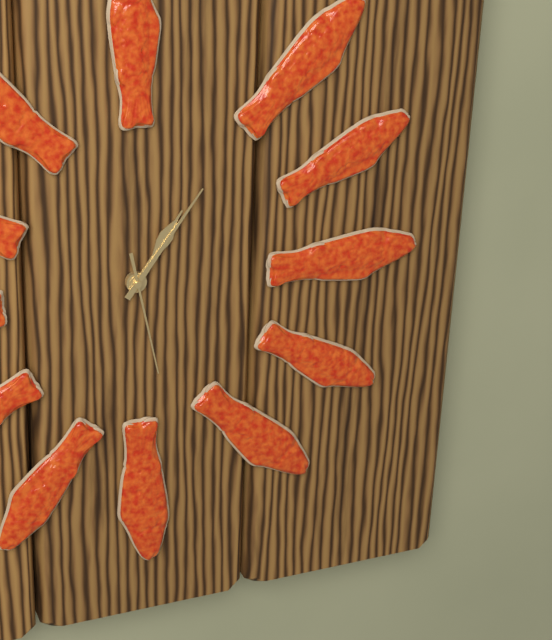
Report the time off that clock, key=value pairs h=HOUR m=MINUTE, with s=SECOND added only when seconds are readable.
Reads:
h=1 m=6 s=28
